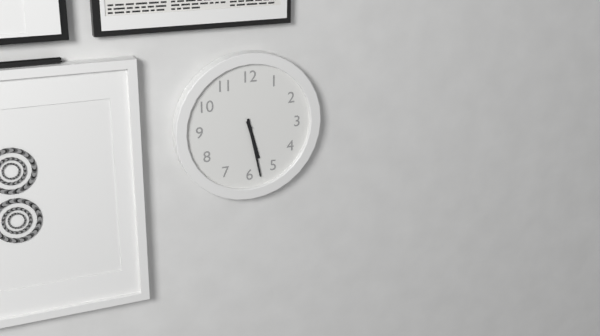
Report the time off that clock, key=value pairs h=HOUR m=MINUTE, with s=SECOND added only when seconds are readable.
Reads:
h=5 m=28
